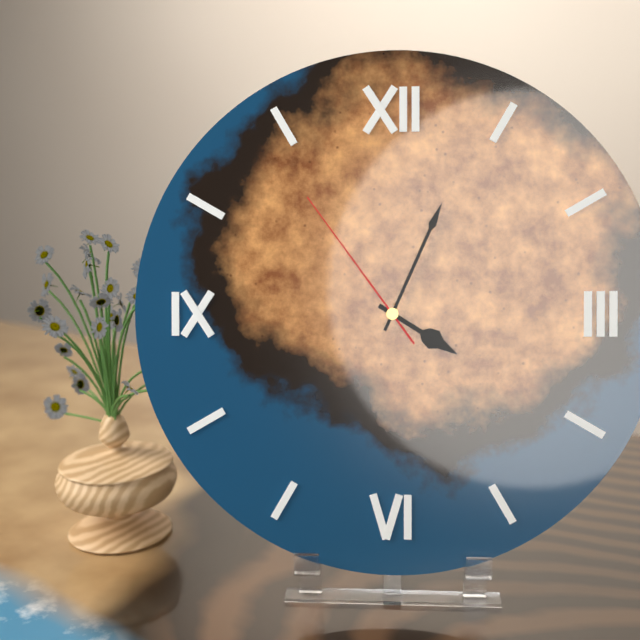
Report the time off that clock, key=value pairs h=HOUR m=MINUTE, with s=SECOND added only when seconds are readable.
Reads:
h=4 m=4 s=54
